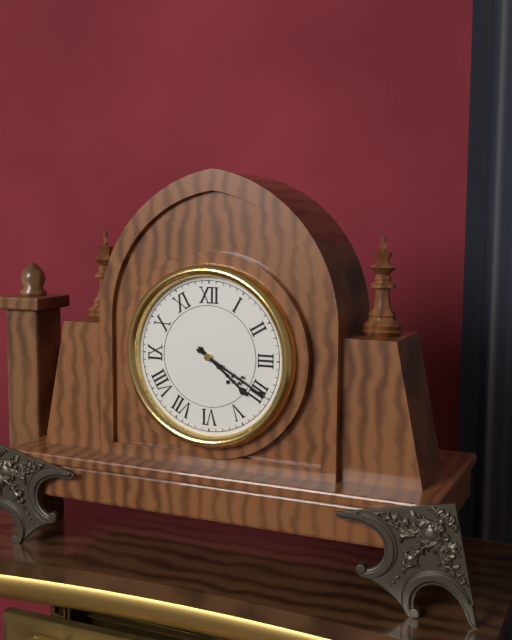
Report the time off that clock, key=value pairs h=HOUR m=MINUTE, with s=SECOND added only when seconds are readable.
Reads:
h=4 m=20
